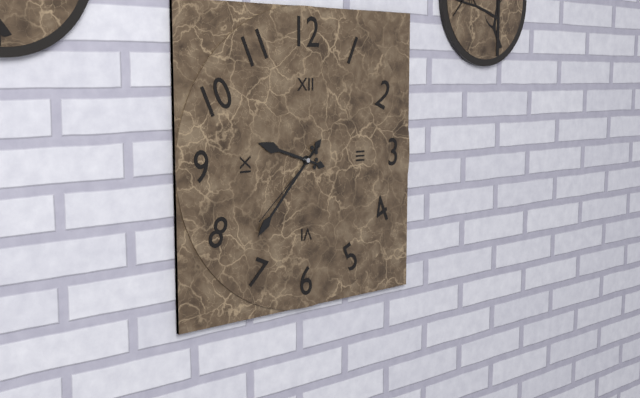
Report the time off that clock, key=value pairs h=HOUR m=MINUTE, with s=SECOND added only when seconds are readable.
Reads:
h=9 m=37 s=38
